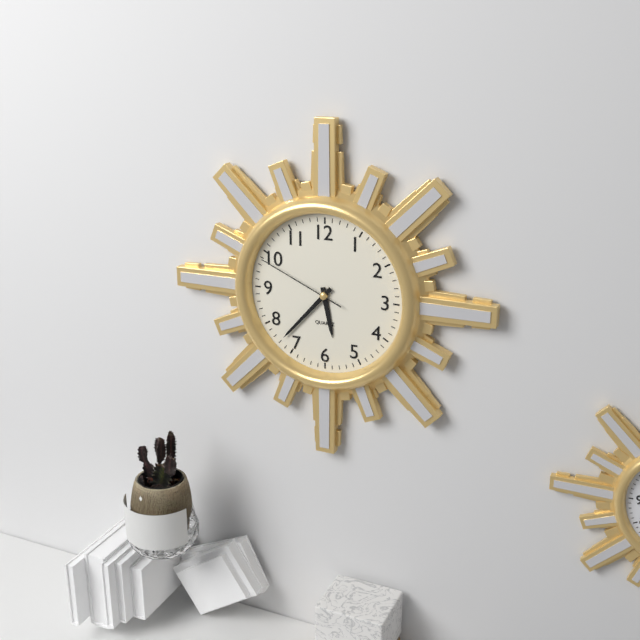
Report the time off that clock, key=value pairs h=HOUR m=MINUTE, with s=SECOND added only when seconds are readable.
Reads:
h=5 m=37 s=49
